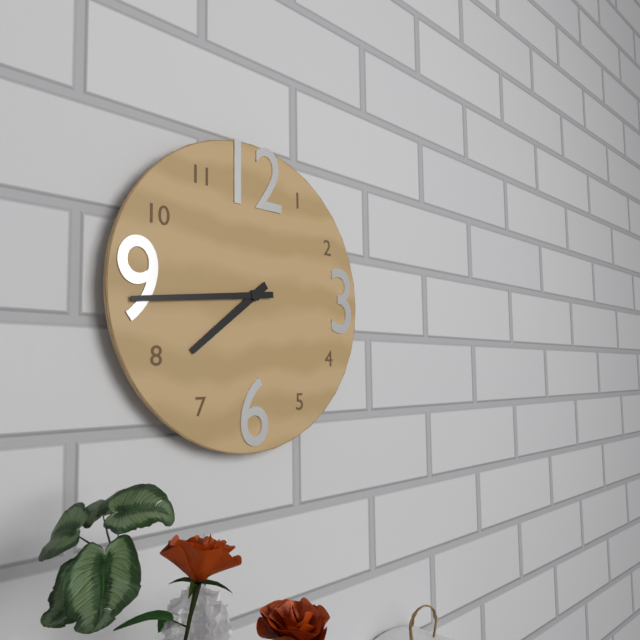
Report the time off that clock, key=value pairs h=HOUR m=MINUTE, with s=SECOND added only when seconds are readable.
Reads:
h=7 m=44
